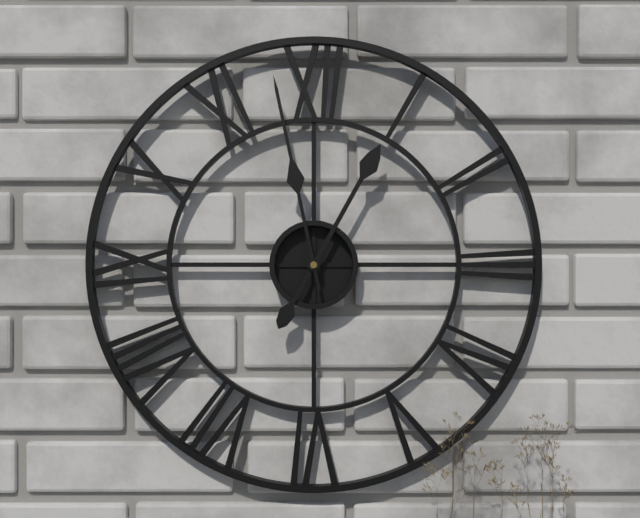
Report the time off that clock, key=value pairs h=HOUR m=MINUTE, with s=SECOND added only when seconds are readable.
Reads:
h=12 m=58
